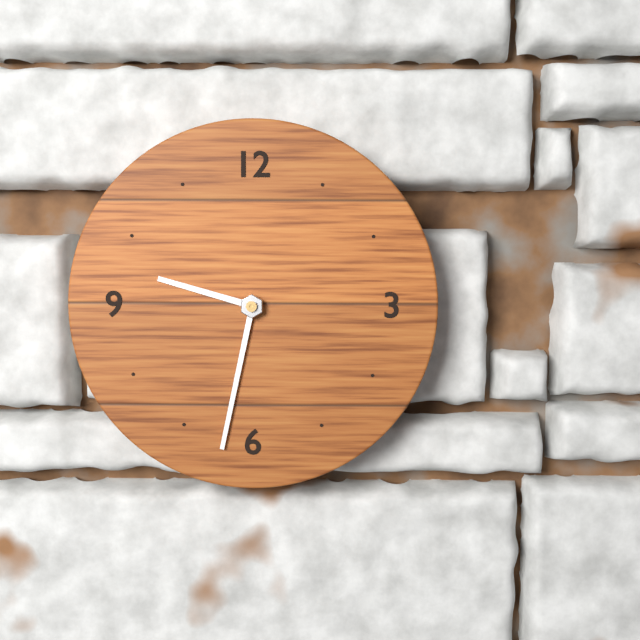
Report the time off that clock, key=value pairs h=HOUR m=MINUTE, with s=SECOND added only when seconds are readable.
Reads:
h=9 m=32
